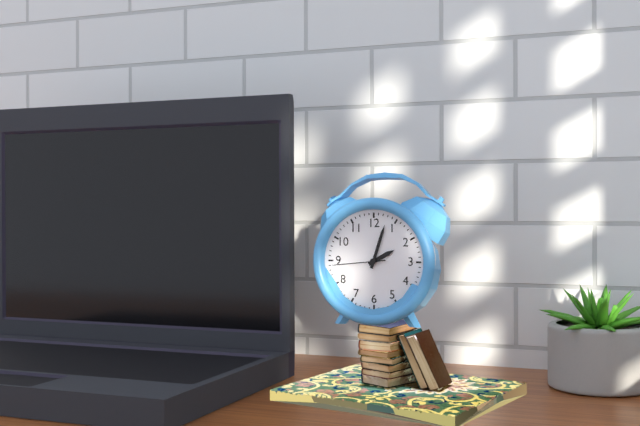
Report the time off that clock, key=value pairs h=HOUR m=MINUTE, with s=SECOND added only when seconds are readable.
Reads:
h=2 m=3 s=44
